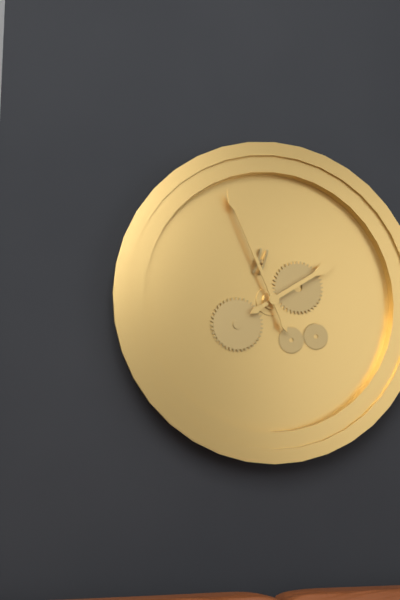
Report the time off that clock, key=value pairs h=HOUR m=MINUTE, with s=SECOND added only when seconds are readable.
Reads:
h=1 m=56
